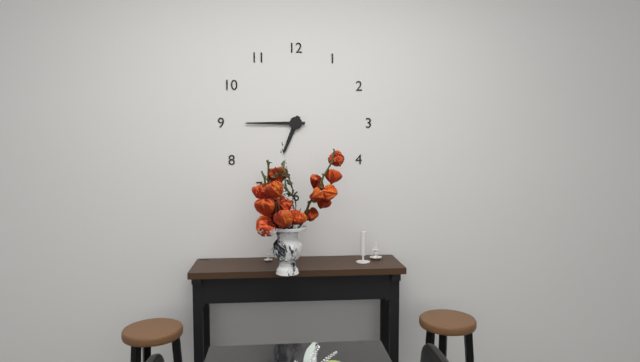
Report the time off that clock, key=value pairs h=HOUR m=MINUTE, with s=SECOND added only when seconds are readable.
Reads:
h=6 m=45
